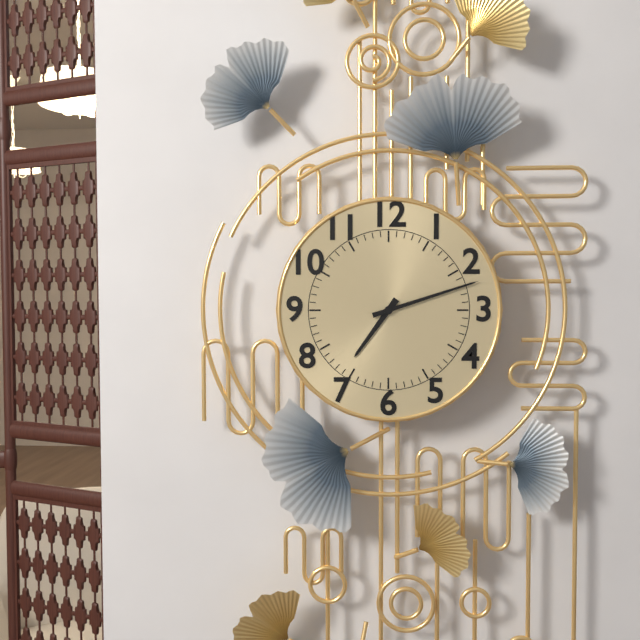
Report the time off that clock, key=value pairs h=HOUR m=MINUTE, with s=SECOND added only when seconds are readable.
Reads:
h=7 m=12
